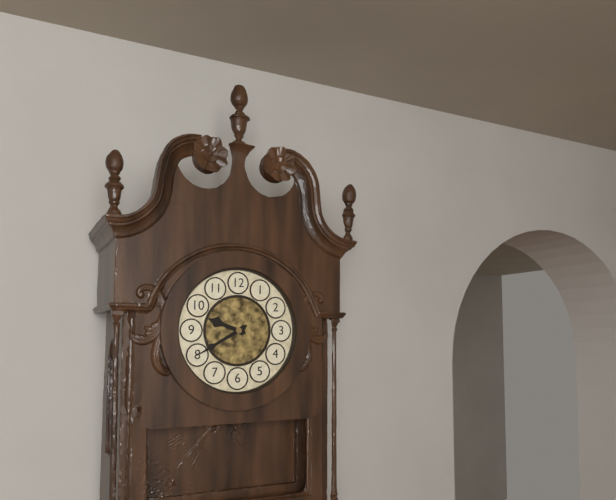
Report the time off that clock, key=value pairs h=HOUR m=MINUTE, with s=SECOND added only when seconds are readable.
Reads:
h=9 m=40
